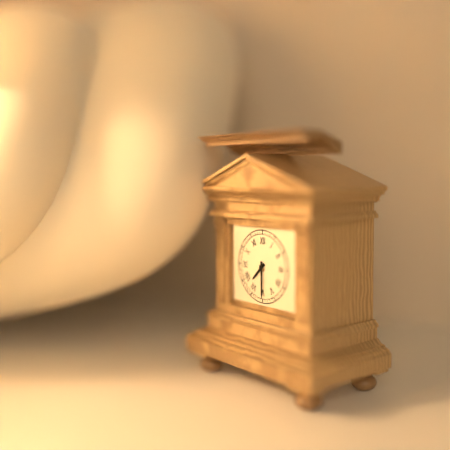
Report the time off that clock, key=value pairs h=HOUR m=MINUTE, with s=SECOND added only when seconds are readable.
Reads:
h=7 m=30
